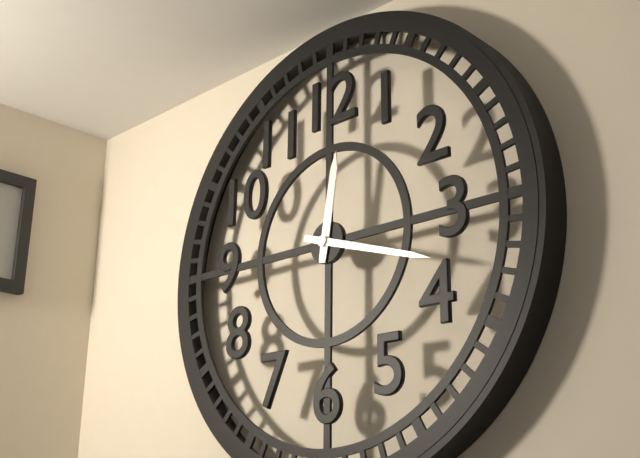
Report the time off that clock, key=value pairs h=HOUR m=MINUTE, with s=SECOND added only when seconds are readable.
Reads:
h=12 m=18
